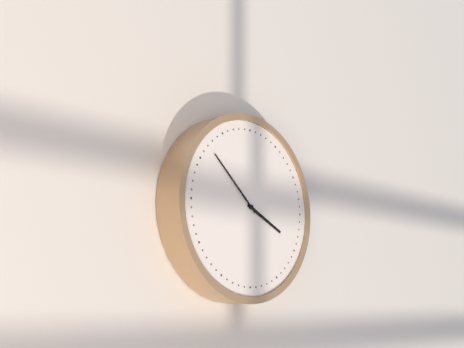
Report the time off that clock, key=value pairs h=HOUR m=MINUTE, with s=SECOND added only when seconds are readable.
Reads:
h=3 m=52
